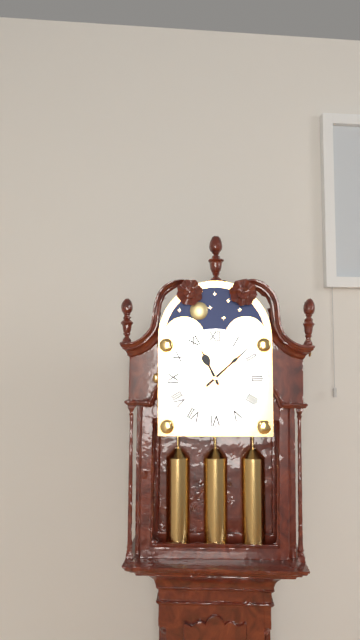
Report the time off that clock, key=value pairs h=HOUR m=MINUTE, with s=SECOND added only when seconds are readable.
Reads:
h=11 m=8
